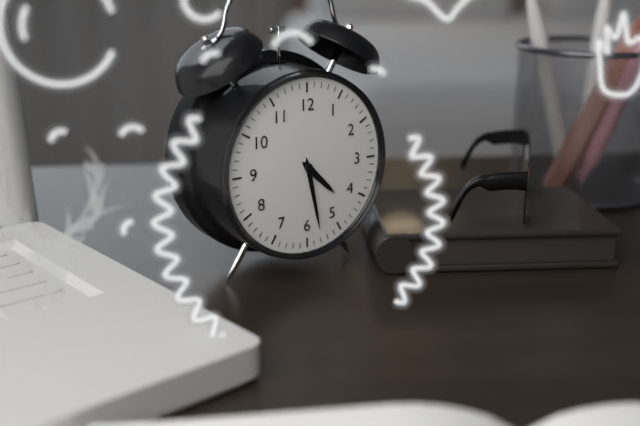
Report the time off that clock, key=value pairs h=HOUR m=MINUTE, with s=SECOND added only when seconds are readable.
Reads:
h=4 m=28
